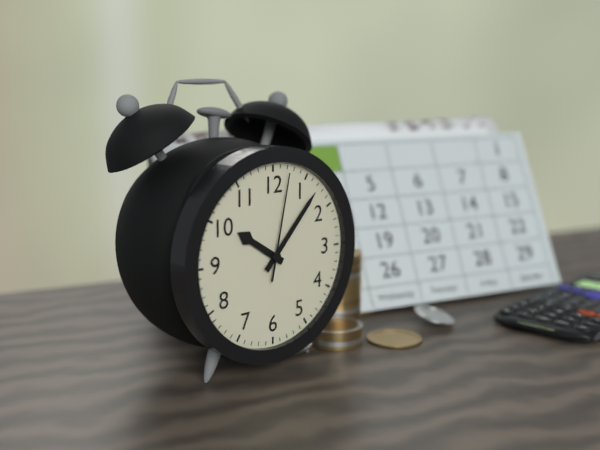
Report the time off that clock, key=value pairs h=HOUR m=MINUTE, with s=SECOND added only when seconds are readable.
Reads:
h=10 m=7 s=2
